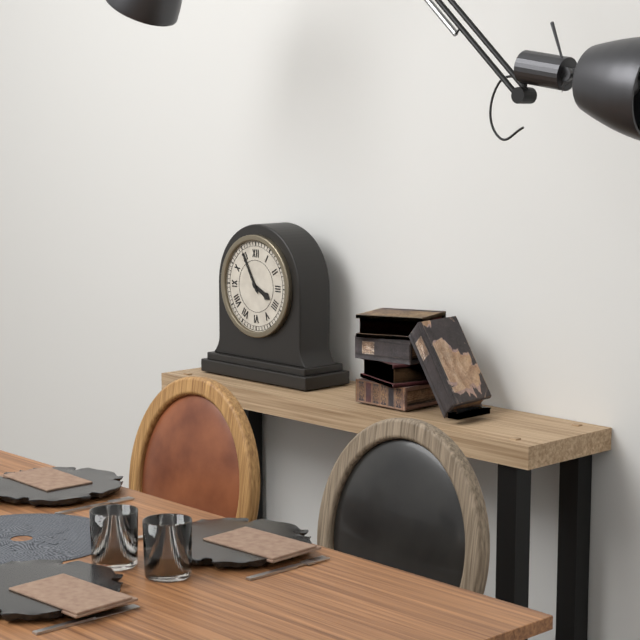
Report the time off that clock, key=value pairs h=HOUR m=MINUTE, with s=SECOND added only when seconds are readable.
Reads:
h=3 m=55
